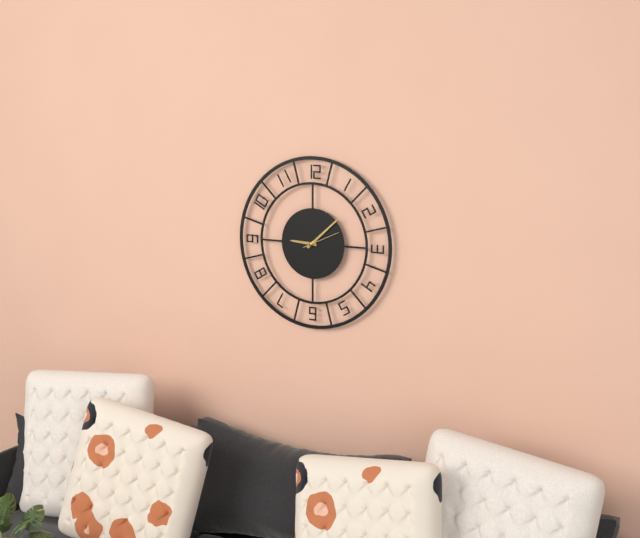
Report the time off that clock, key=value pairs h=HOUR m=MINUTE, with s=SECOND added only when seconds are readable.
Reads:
h=9 m=8
